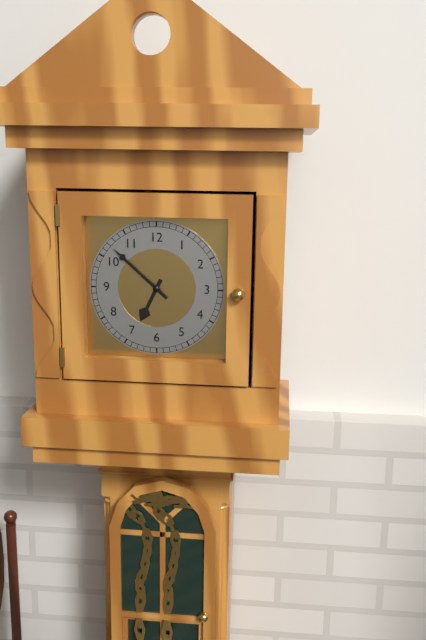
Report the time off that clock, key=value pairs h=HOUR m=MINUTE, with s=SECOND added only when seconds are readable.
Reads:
h=6 m=52
